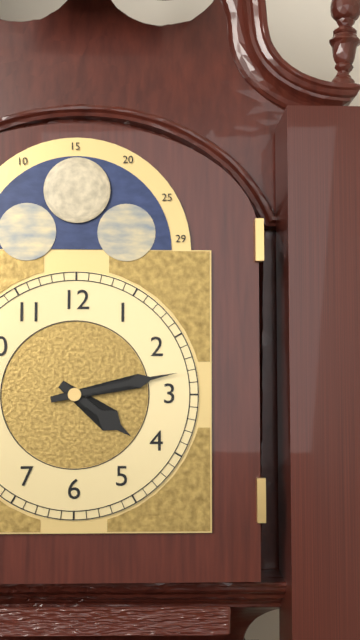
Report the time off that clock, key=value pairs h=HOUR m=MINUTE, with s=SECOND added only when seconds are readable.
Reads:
h=4 m=13
